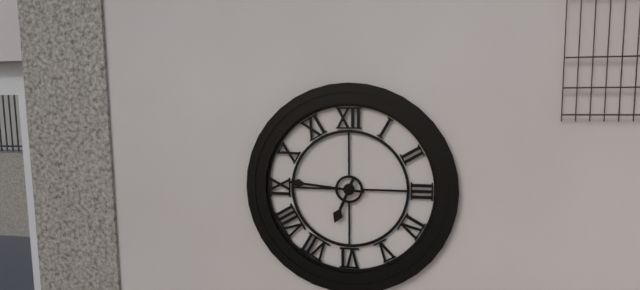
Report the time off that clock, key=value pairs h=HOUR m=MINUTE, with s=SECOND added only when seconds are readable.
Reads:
h=6 m=46
